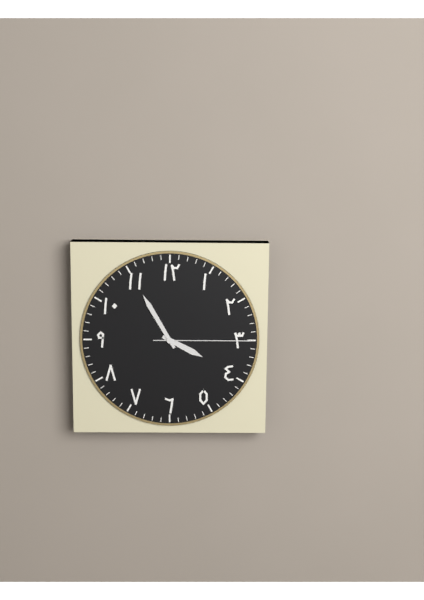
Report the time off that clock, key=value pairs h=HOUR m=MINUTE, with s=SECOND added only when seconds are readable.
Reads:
h=3 m=55 s=15
